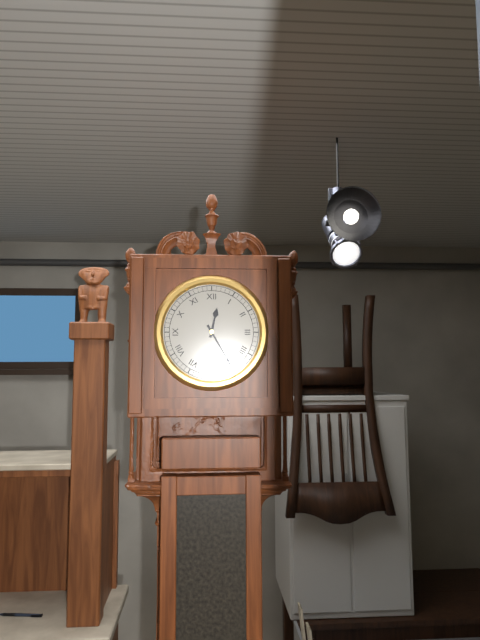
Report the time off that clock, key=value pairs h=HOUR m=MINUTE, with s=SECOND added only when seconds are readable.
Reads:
h=12 m=25
